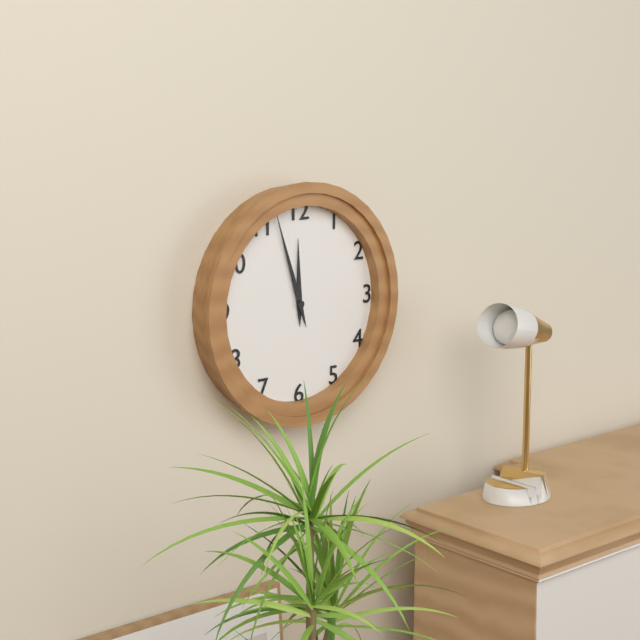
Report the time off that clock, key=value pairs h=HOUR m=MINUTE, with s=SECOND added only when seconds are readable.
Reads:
h=11 m=57
